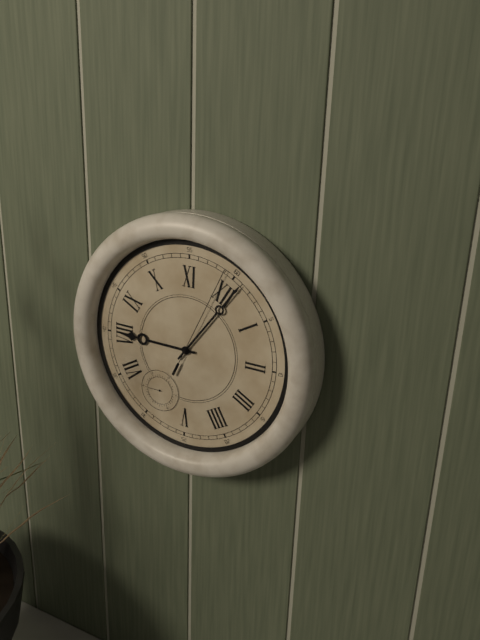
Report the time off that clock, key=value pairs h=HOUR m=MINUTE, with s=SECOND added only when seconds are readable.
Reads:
h=8 m=1 s=59
